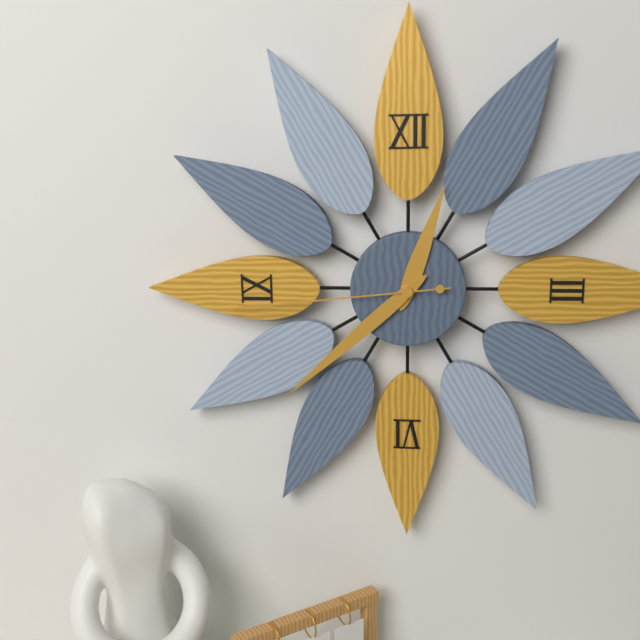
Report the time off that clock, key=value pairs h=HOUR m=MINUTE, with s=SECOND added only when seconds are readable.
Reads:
h=12 m=38 s=44
